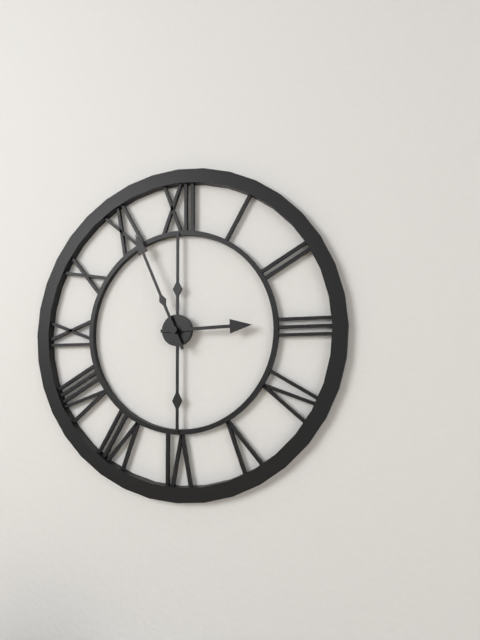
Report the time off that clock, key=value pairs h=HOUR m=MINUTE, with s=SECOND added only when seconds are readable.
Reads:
h=2 m=56
